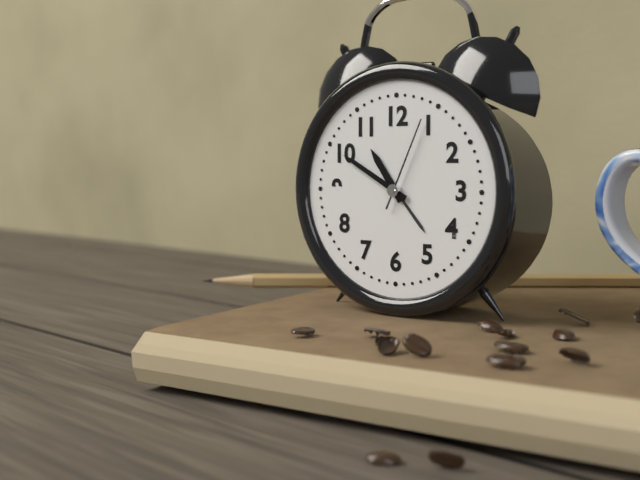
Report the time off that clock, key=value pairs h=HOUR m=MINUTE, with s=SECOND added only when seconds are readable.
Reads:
h=10 m=50 s=4
